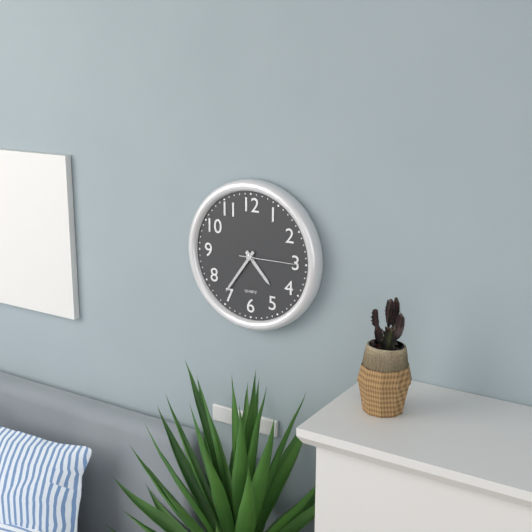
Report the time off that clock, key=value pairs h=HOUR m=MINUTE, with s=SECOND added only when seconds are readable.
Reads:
h=4 m=36 s=15
